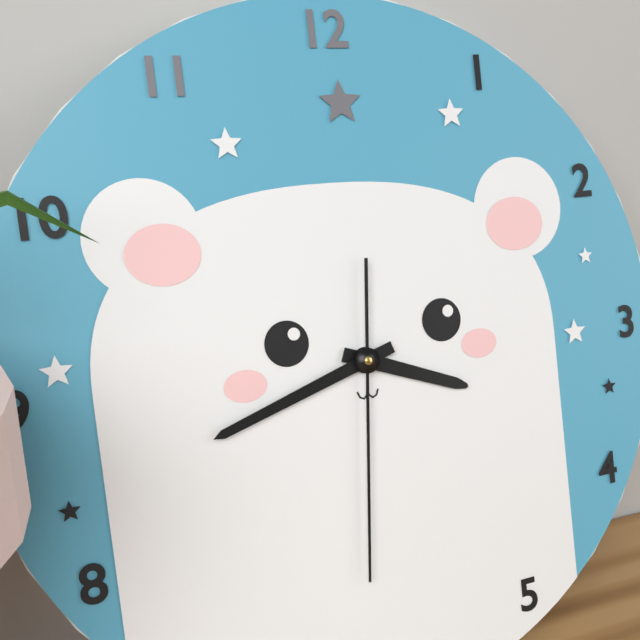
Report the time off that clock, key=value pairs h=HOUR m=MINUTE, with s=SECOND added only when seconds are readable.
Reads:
h=3 m=42 s=31
